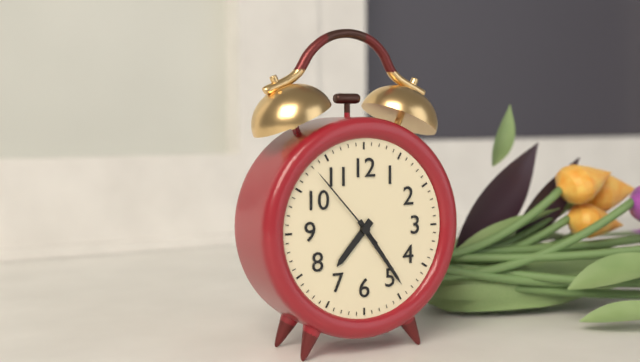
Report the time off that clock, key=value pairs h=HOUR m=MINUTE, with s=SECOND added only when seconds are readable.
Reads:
h=7 m=24 s=53
